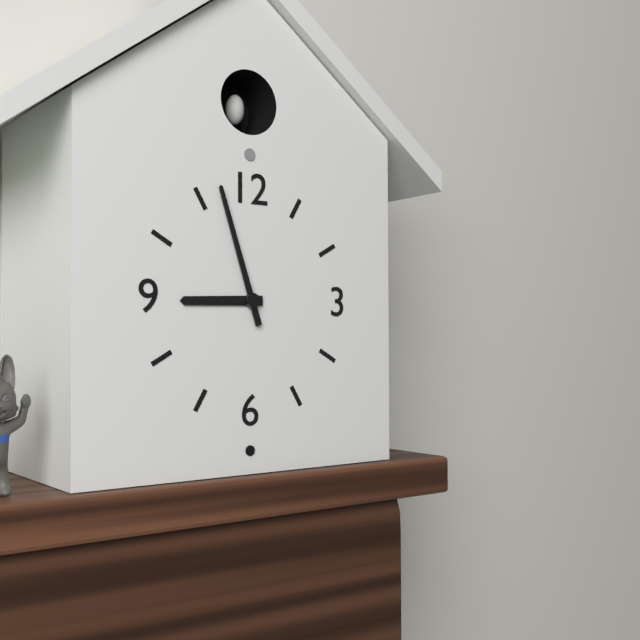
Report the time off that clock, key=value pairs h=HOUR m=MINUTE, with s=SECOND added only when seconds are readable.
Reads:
h=8 m=57
